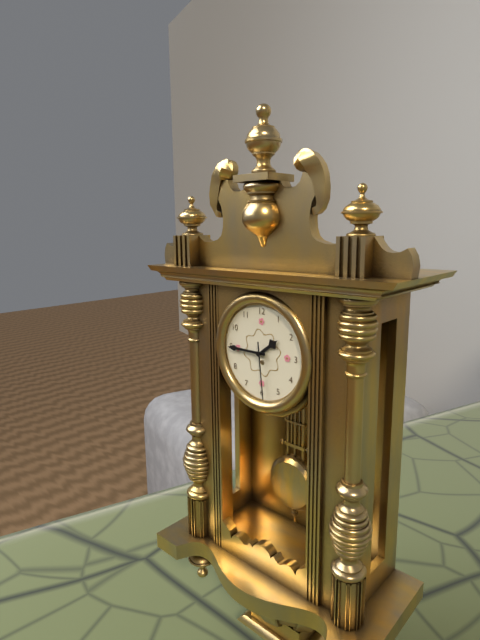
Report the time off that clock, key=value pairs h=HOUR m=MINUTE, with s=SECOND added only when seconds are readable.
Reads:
h=1 m=45 s=29
